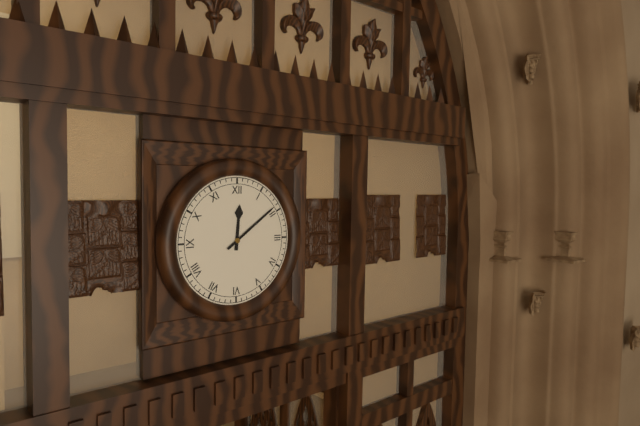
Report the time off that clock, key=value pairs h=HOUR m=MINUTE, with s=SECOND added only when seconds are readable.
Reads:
h=12 m=9
